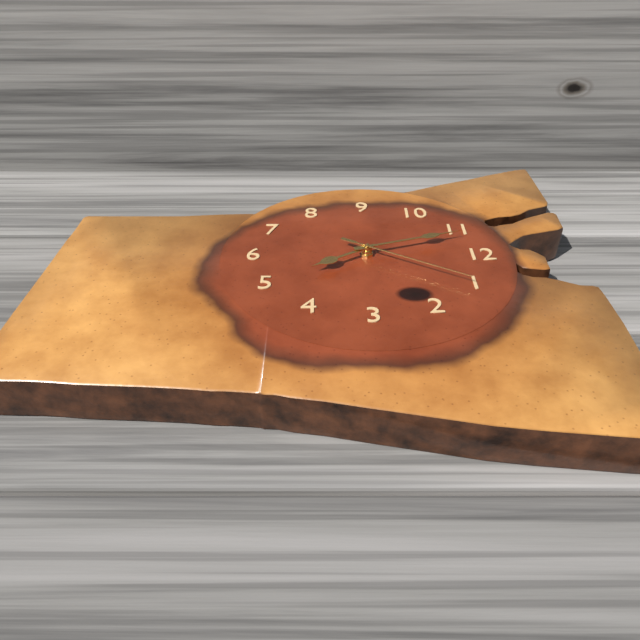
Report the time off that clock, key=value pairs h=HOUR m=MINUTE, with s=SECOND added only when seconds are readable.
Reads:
h=4 m=57 s=5
